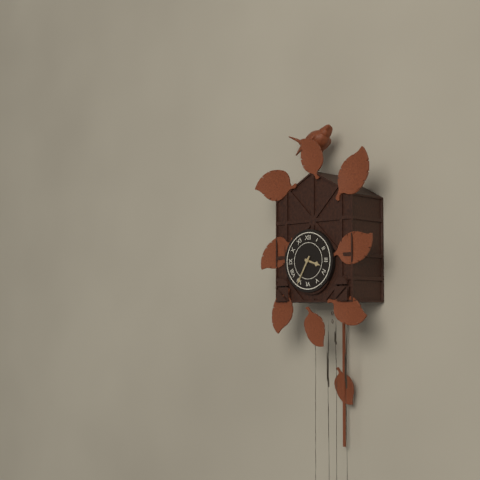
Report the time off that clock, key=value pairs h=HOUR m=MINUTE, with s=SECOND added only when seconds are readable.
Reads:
h=3 m=35
